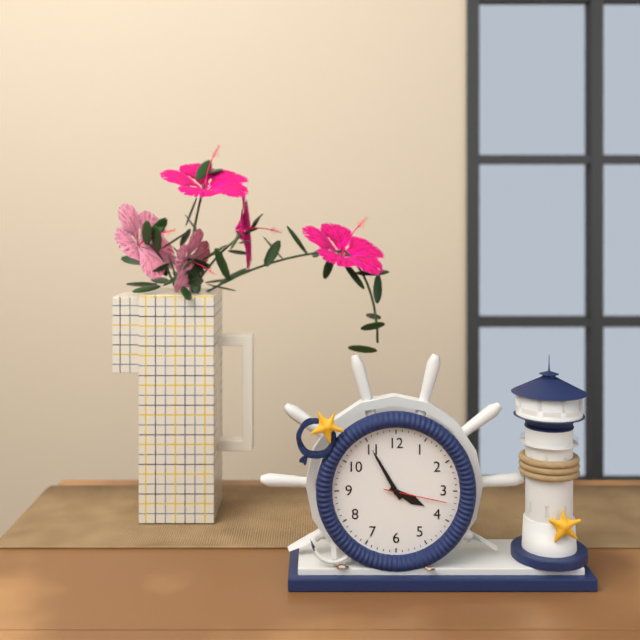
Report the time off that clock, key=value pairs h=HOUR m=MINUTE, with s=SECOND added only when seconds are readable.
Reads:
h=3 m=55 s=17
